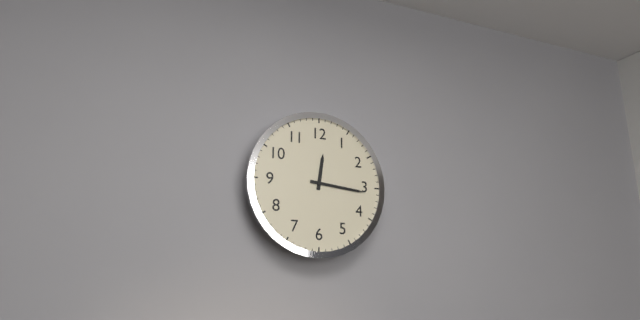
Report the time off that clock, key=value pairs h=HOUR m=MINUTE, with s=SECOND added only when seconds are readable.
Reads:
h=12 m=16
